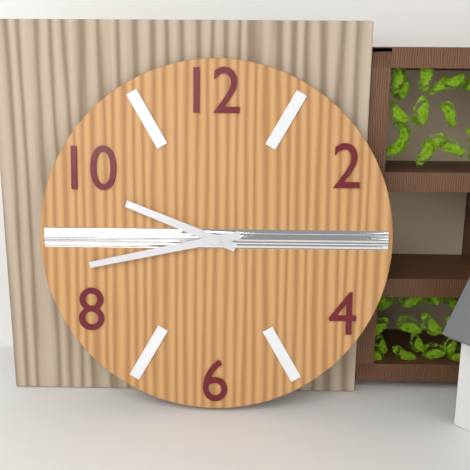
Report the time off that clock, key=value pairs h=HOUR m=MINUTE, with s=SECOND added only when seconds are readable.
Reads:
h=9 m=43
